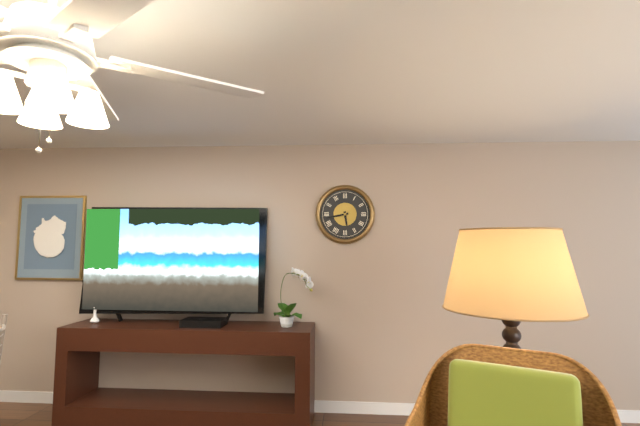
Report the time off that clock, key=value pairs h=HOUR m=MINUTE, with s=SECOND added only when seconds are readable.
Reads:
h=5 m=43
